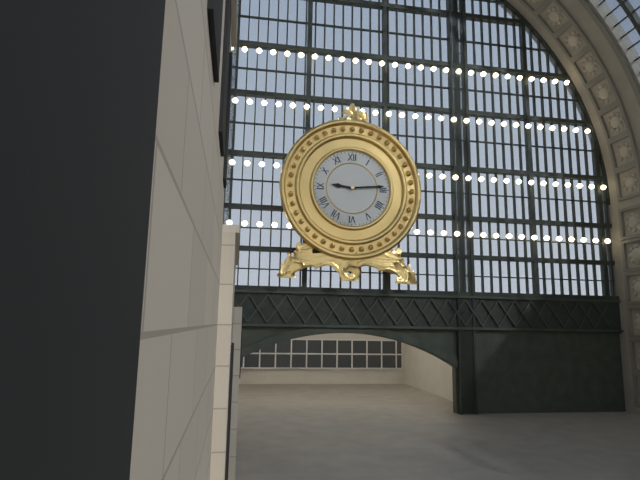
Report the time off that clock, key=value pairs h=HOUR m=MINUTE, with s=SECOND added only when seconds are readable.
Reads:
h=9 m=14
